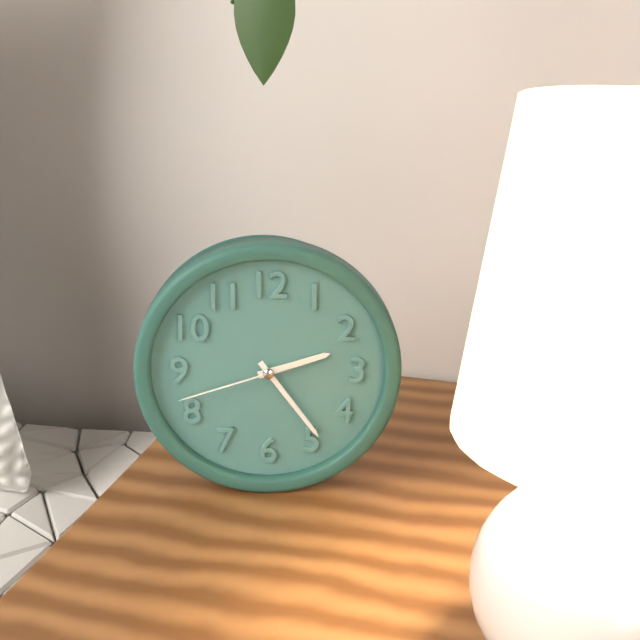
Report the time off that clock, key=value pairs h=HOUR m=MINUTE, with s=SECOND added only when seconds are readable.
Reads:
h=2 m=24 s=42
